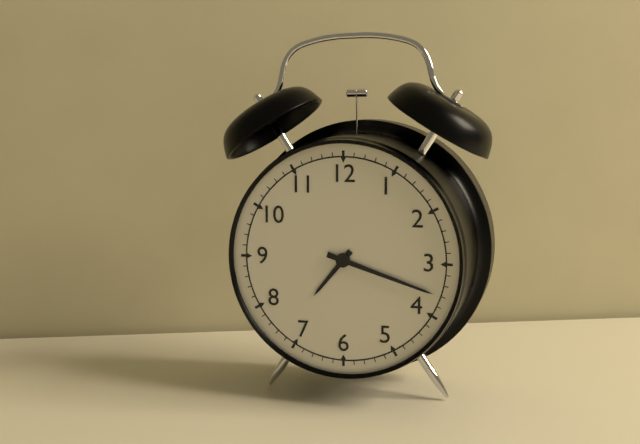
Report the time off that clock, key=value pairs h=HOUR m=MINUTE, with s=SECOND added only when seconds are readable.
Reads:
h=7 m=18
